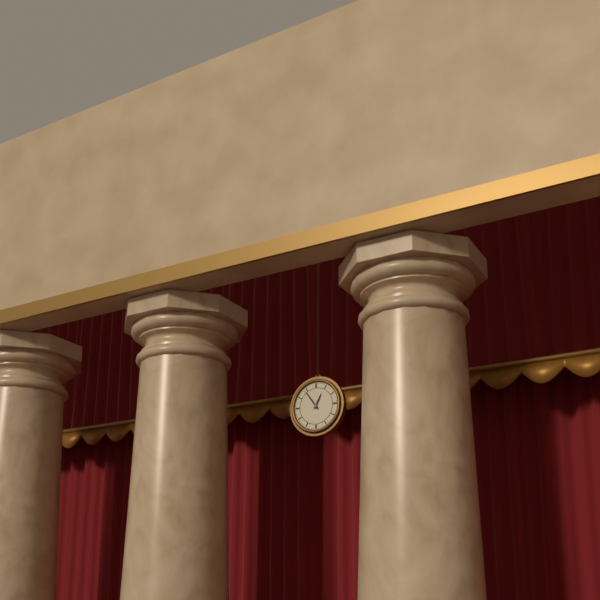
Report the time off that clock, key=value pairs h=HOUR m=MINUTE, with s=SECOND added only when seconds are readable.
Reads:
h=12 m=54
